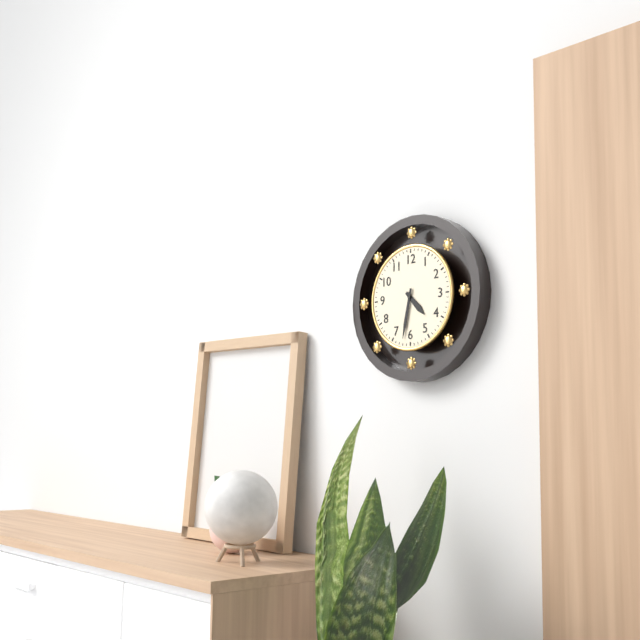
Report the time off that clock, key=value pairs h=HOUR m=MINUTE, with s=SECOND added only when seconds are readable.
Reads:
h=4 m=32
